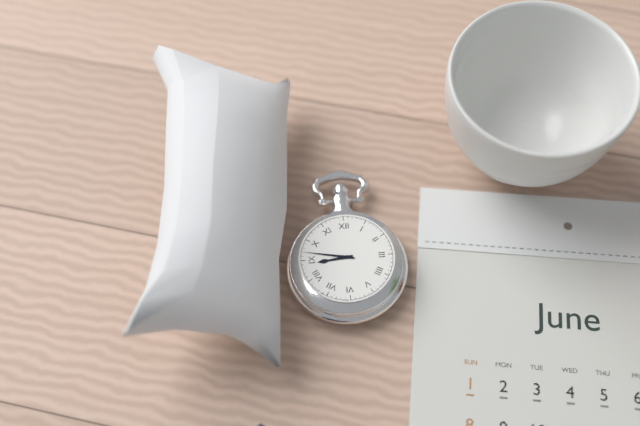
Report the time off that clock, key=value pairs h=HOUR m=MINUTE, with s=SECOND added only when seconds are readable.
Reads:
h=8 m=47
